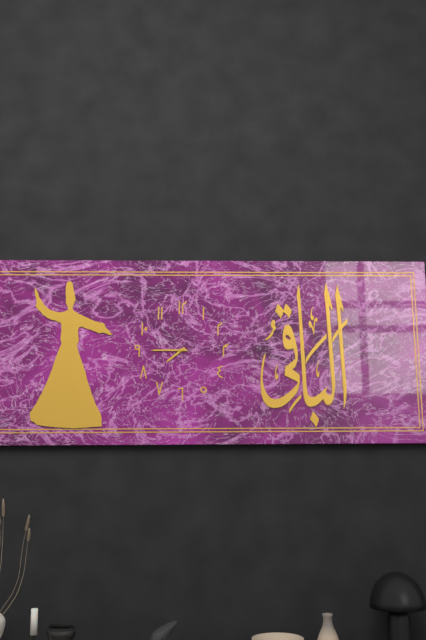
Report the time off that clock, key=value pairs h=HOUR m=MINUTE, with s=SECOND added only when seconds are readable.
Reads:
h=7 m=45
